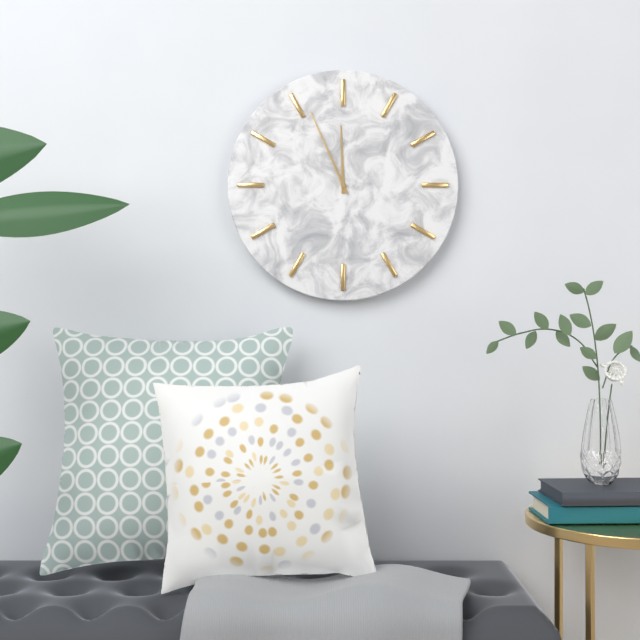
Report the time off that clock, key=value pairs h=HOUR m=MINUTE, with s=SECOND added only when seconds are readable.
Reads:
h=11 m=56
